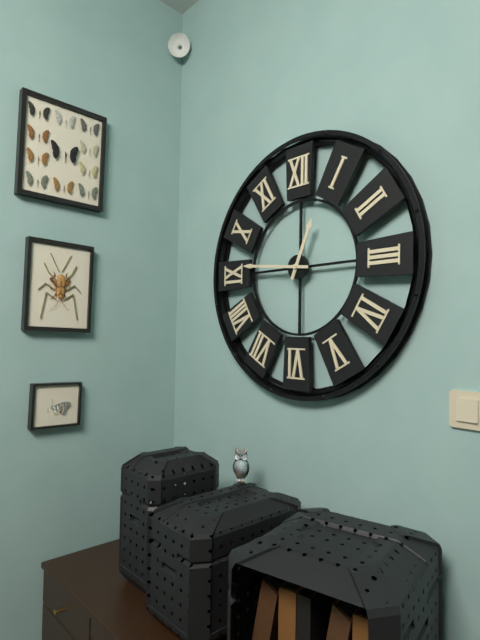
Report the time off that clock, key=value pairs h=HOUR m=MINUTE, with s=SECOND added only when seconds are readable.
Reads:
h=12 m=46
